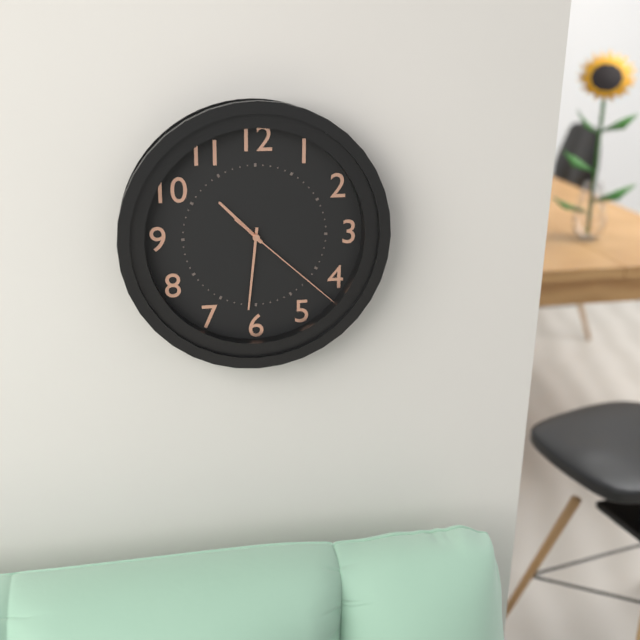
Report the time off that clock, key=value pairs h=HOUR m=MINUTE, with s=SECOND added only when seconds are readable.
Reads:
h=10 m=31 s=22
